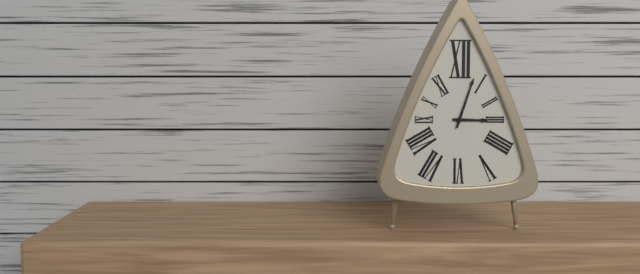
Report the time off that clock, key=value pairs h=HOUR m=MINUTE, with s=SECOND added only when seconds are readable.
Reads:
h=3 m=3
